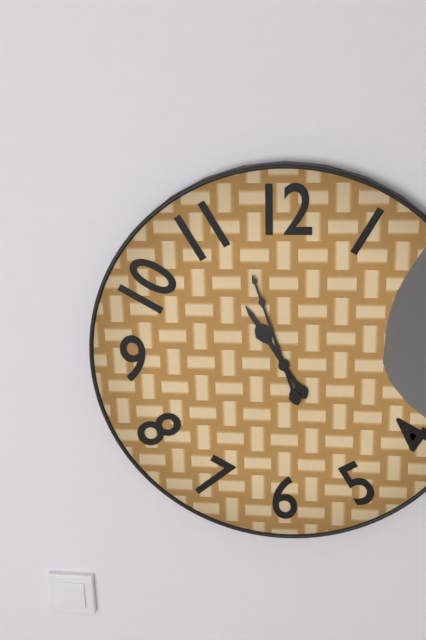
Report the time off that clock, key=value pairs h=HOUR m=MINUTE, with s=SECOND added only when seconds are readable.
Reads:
h=10 m=57
